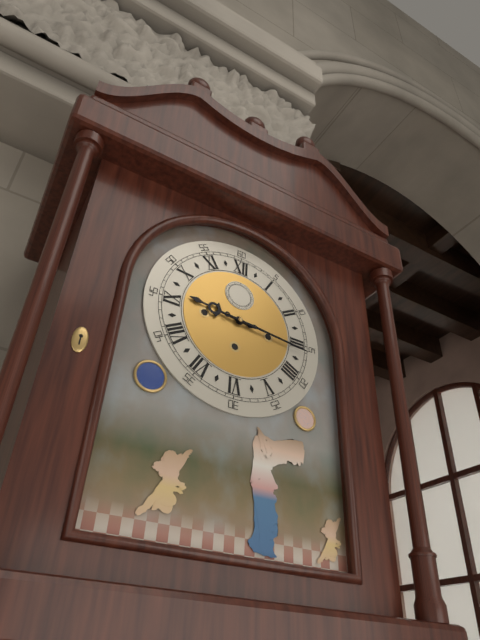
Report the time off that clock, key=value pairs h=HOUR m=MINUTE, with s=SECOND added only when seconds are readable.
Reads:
h=9 m=16
